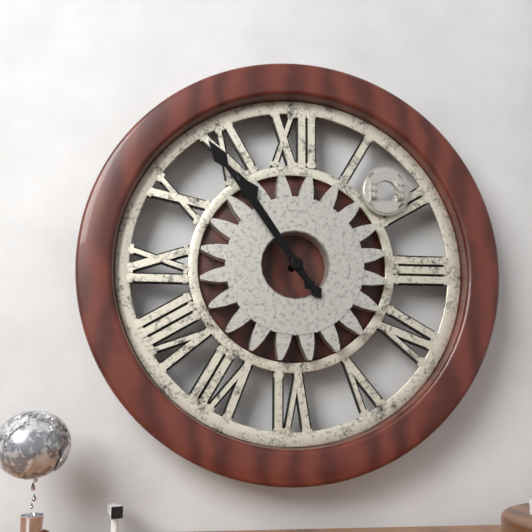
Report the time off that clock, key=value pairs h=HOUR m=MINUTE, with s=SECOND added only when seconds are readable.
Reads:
h=10 m=54
